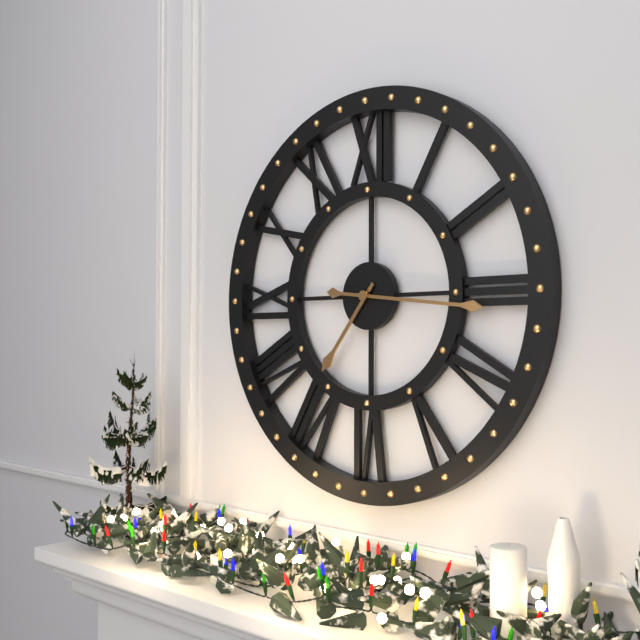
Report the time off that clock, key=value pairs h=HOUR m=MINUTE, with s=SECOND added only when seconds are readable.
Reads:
h=7 m=16
